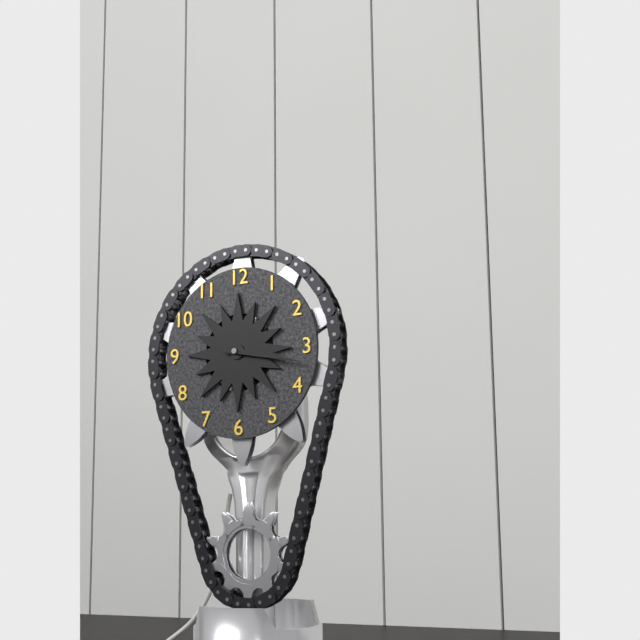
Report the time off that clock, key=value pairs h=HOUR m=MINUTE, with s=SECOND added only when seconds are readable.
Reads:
h=3 m=17
